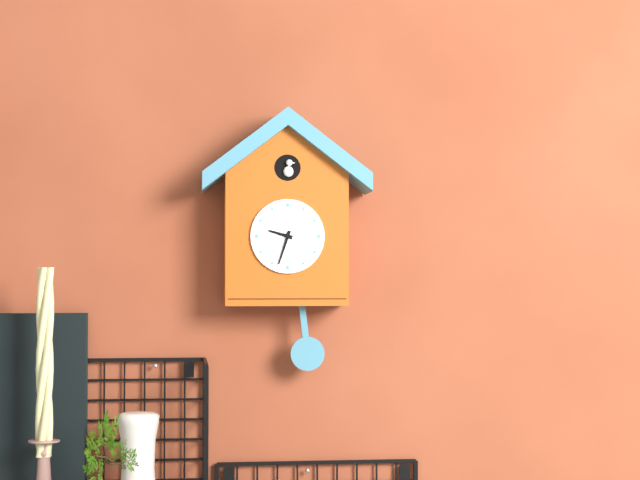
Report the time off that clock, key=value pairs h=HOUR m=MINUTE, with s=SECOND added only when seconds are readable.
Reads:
h=9 m=33
